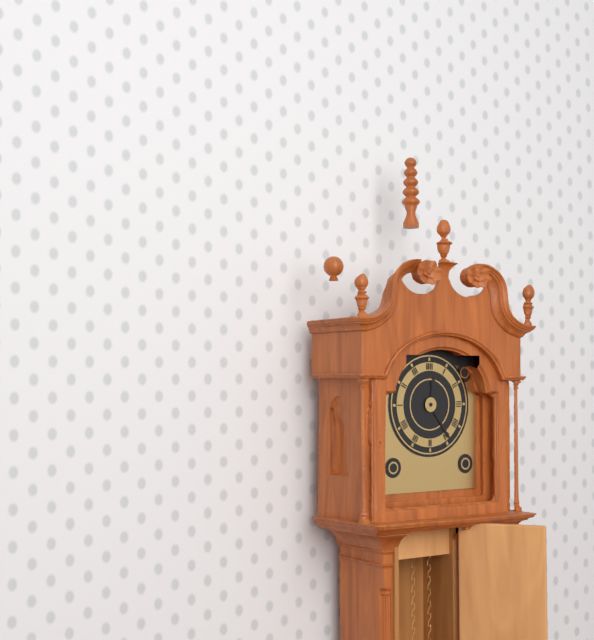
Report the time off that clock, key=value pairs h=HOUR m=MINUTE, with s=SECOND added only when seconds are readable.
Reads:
h=12 m=24
